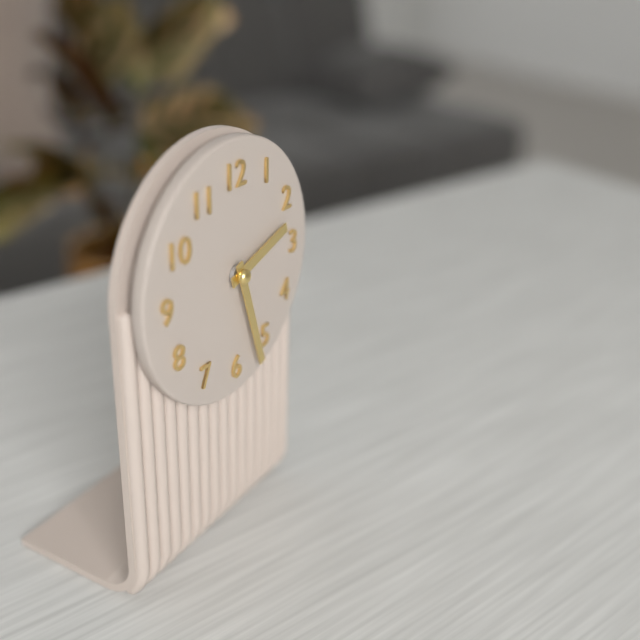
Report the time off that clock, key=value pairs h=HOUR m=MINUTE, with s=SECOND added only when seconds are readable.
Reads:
h=2 m=27
